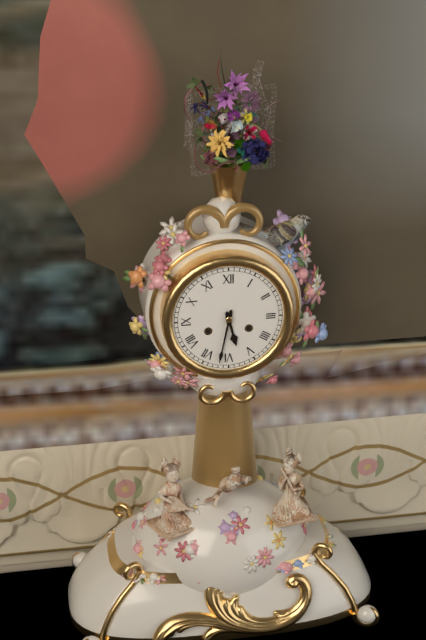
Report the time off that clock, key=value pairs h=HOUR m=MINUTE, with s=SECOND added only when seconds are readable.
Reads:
h=5 m=32
